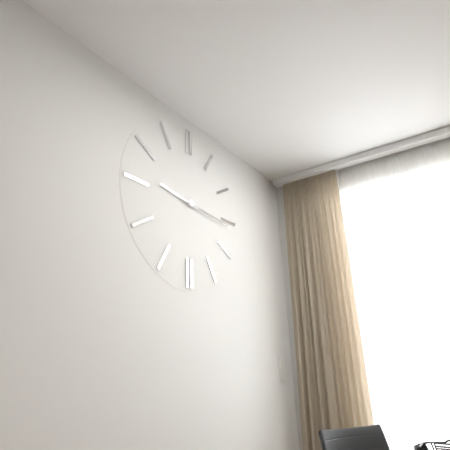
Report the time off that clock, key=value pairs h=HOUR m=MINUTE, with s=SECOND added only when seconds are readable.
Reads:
h=9 m=16
